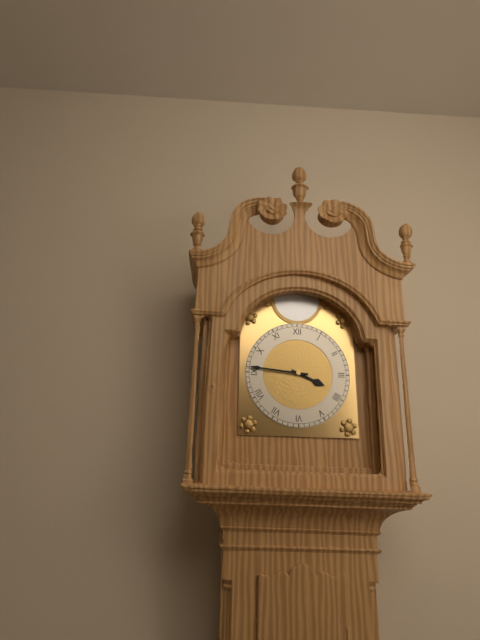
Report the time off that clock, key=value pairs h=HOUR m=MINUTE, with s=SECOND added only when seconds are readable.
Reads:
h=3 m=46
